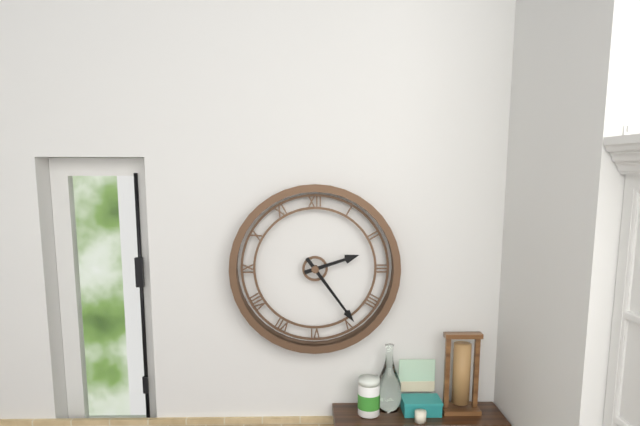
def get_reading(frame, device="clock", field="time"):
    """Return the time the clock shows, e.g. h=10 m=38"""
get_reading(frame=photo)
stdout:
h=2 m=24
